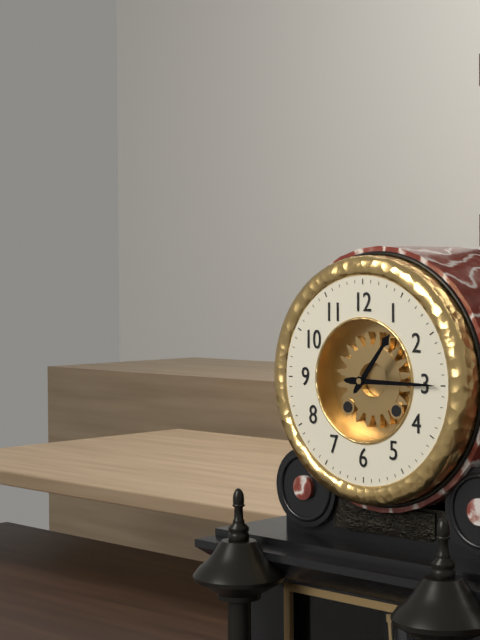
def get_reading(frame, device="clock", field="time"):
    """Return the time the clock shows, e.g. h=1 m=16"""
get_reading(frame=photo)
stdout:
h=1 m=15
